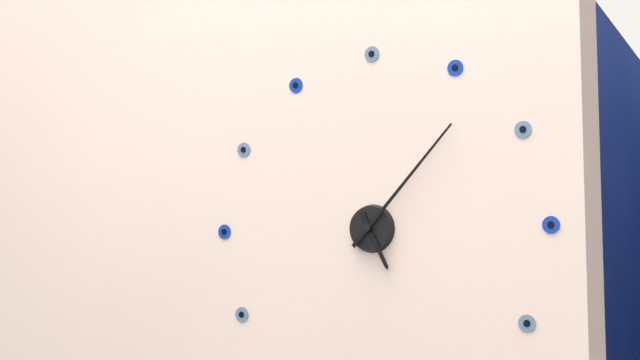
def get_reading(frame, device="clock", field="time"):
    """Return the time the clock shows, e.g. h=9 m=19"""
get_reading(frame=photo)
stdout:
h=5 m=7
